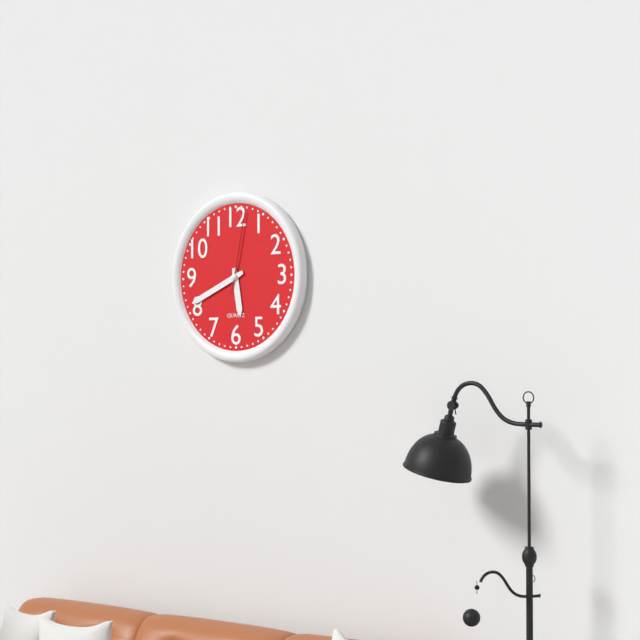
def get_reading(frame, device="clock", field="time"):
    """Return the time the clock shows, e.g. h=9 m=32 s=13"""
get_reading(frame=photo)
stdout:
h=5 m=41 s=2
